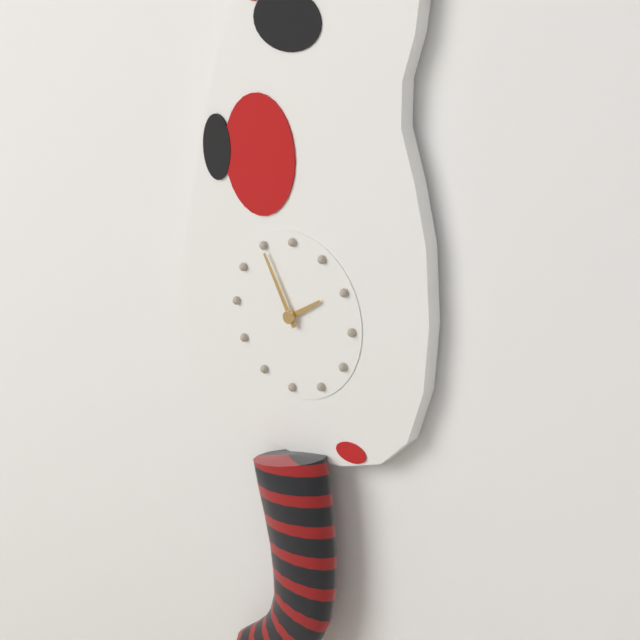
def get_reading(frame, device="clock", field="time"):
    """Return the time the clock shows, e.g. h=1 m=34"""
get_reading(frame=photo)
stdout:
h=1 m=55
